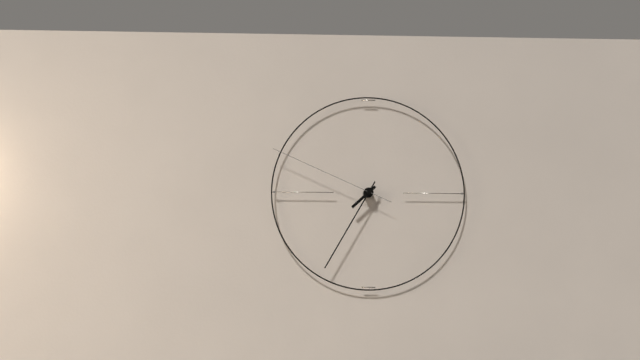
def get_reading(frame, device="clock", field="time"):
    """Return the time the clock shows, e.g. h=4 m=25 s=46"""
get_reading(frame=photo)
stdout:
h=7 m=35 s=49
